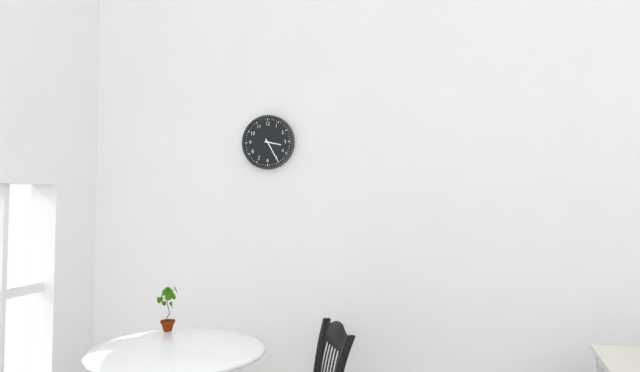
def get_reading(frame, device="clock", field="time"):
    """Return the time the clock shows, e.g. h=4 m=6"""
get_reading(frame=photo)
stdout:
h=3 m=25
